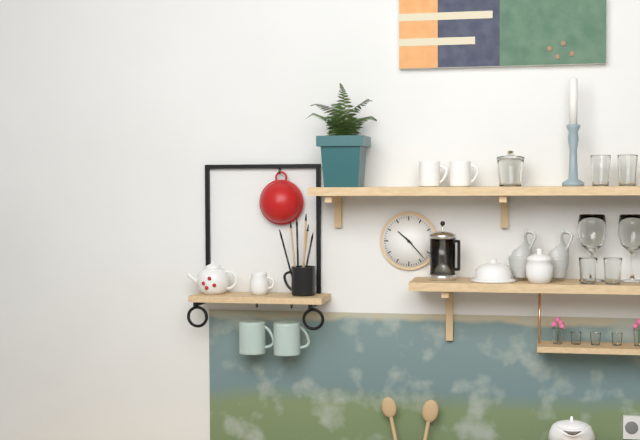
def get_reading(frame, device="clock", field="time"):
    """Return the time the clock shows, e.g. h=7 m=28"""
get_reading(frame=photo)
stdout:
h=10 m=23
